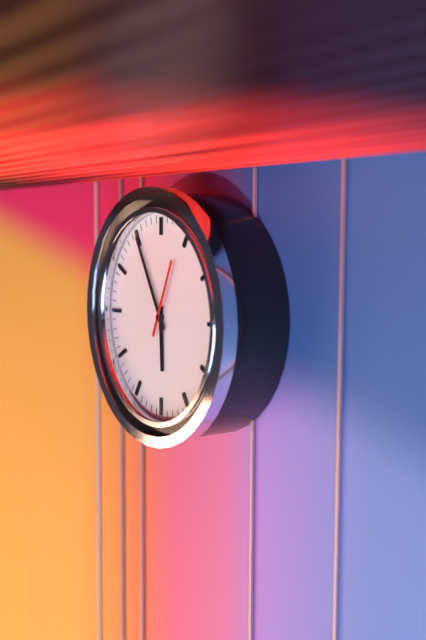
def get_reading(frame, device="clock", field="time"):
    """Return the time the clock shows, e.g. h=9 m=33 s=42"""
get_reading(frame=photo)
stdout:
h=5 m=55 s=4
